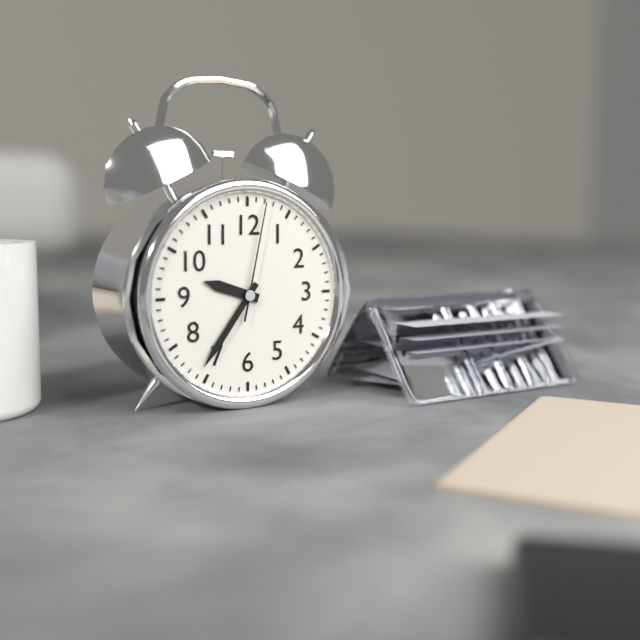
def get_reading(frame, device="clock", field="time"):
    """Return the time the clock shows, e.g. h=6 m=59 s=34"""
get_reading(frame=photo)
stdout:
h=9 m=36 s=2
